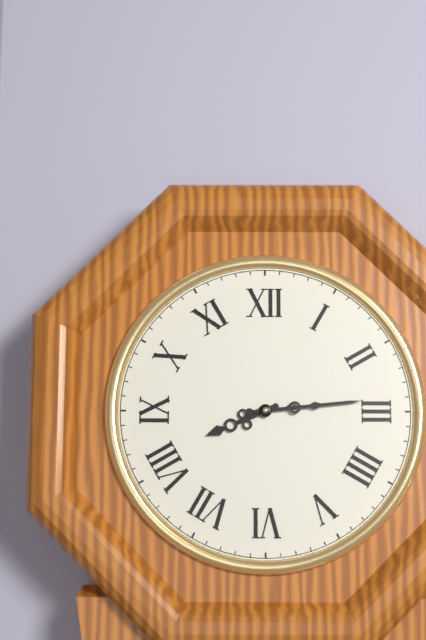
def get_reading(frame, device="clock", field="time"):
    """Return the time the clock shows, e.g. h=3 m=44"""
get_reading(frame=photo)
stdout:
h=8 m=14
